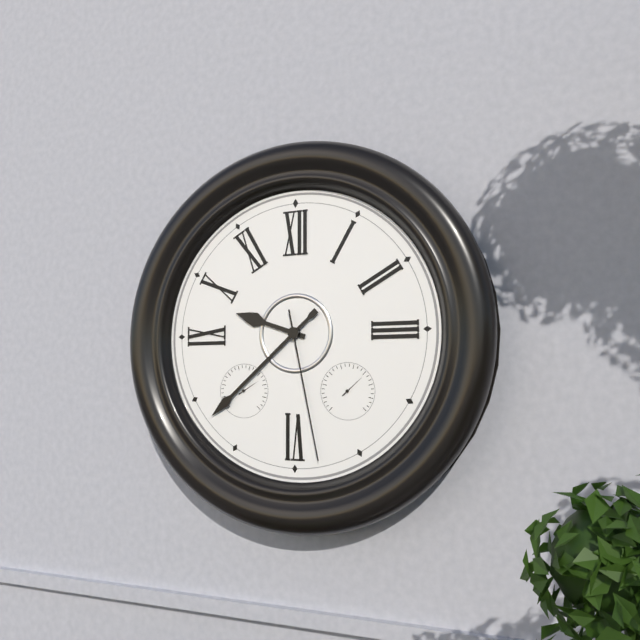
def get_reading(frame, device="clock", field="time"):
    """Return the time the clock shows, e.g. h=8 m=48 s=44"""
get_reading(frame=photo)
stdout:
h=9 m=38 s=28
